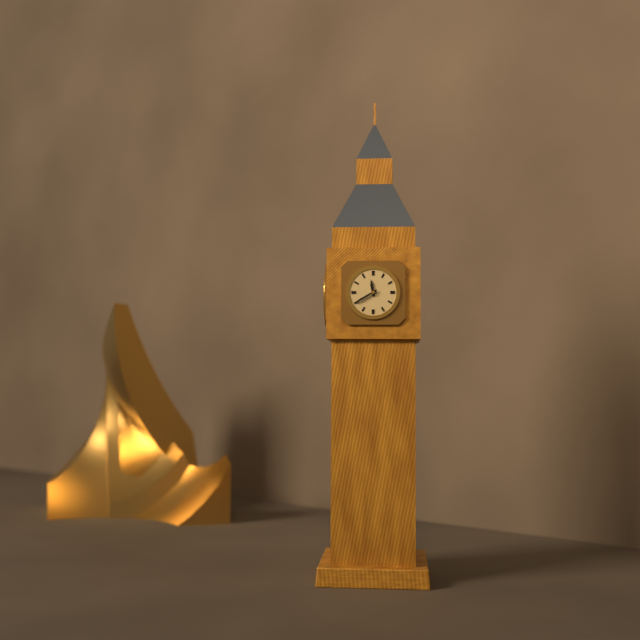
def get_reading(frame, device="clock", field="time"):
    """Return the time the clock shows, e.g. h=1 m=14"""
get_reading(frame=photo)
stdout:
h=11 m=40
